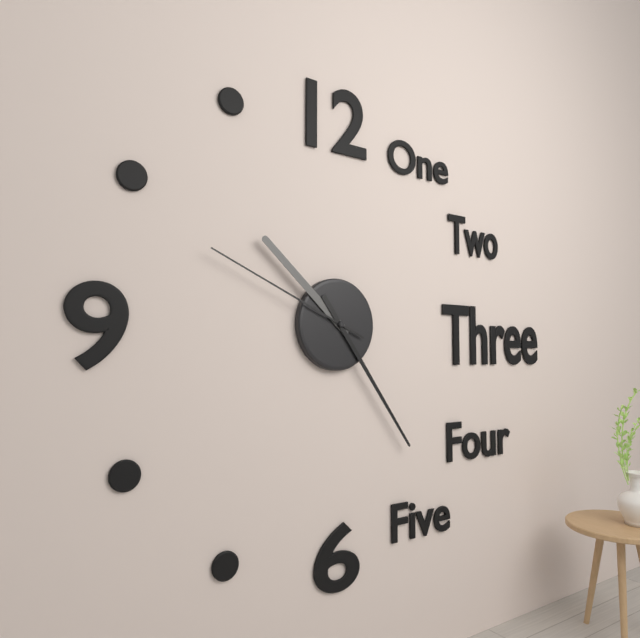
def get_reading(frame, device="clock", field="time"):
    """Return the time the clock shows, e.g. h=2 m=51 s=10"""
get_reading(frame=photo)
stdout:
h=10 m=24 s=49
